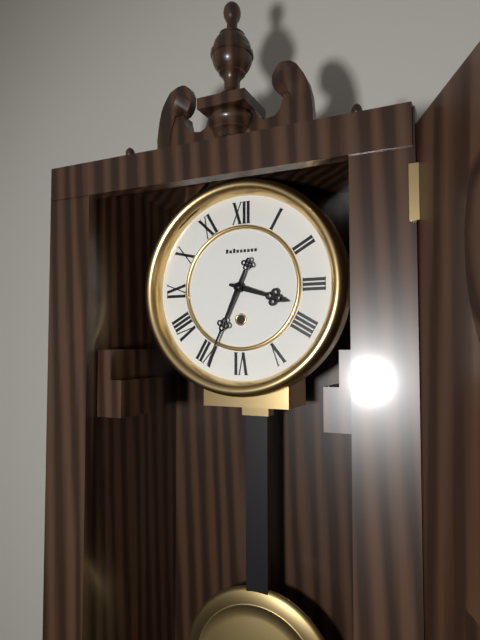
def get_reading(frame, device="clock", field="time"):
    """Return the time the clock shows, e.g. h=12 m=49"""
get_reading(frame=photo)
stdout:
h=3 m=34
